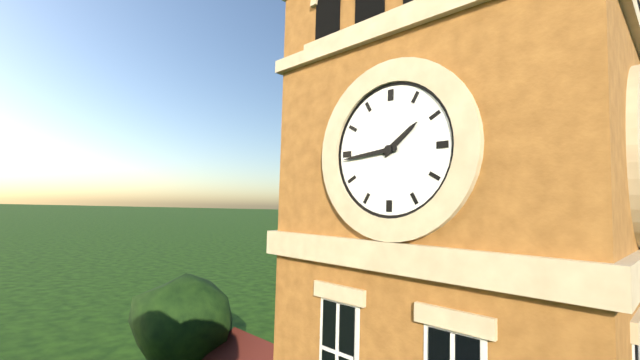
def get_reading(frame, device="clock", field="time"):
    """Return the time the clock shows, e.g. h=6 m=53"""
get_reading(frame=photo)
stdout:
h=1 m=44
